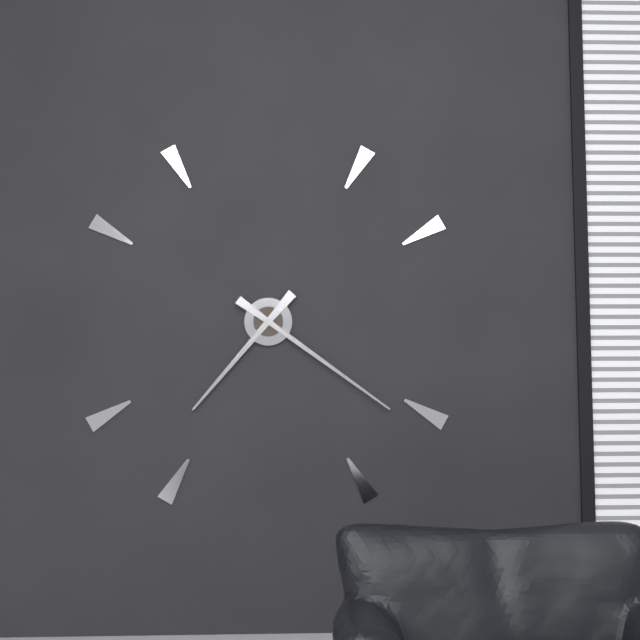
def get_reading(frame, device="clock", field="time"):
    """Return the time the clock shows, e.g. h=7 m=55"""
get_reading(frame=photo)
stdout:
h=7 m=21
